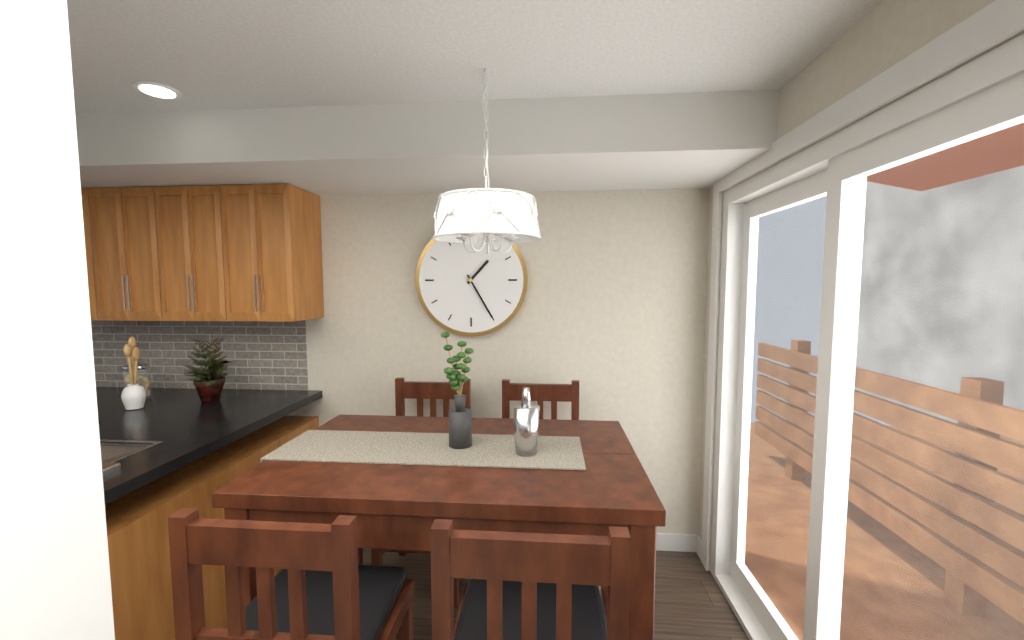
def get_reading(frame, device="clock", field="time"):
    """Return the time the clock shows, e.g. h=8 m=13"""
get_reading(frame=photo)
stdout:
h=1 m=25
